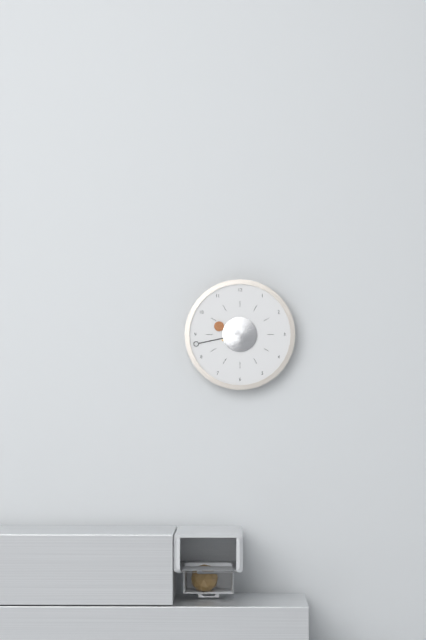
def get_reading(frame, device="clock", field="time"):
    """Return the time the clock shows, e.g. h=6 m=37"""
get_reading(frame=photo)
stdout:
h=9 m=43
